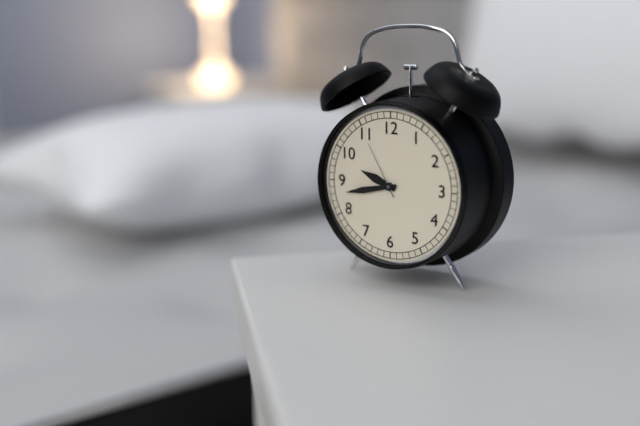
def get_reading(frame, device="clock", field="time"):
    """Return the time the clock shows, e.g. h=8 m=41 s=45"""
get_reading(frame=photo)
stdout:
h=9 m=43 s=55
